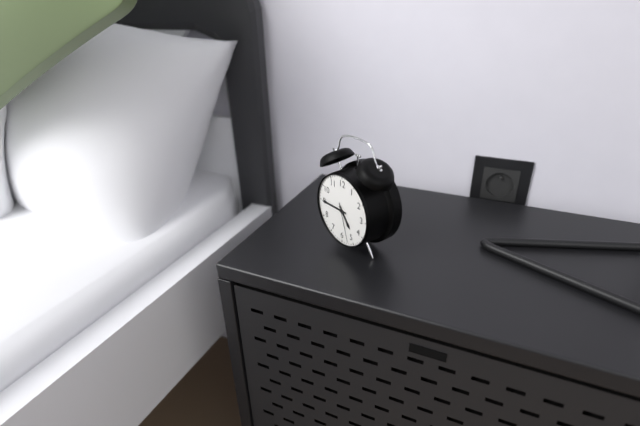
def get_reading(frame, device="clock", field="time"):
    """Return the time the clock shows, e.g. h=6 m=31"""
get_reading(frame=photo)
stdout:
h=4 m=45
